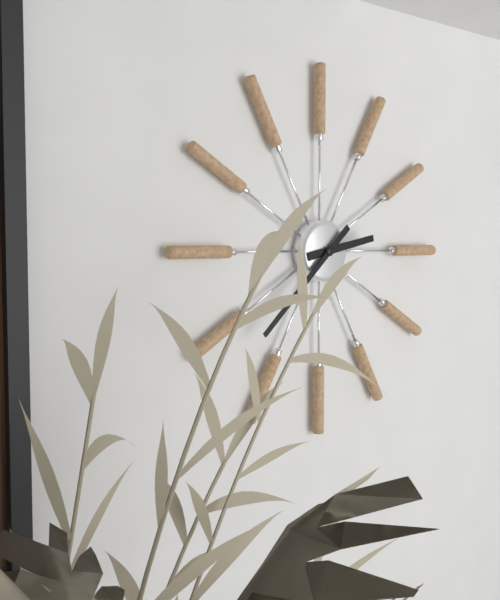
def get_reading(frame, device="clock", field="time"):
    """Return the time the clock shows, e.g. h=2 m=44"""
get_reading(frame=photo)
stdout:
h=2 m=38
